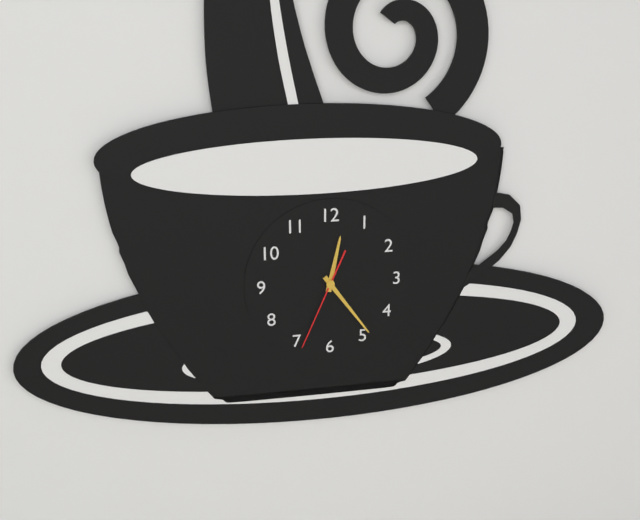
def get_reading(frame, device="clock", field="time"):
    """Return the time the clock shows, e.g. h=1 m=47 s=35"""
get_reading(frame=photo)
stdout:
h=12 m=24 s=34
